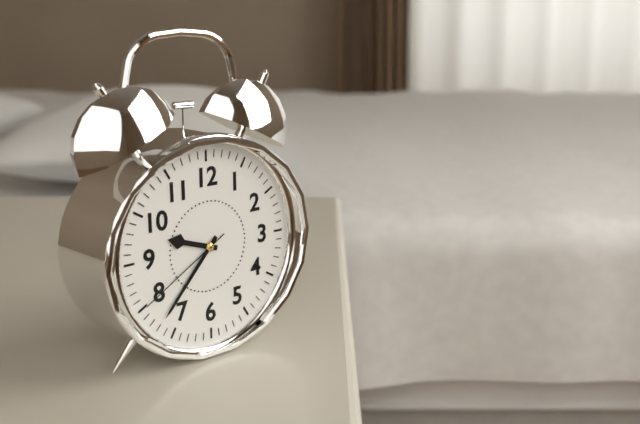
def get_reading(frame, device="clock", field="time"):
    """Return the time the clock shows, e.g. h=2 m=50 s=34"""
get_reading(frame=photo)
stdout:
h=9 m=37 s=40
